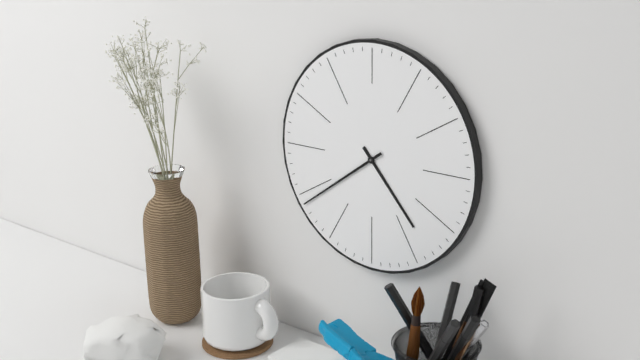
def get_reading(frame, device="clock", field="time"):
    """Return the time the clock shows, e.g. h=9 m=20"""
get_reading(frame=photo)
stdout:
h=4 m=39
